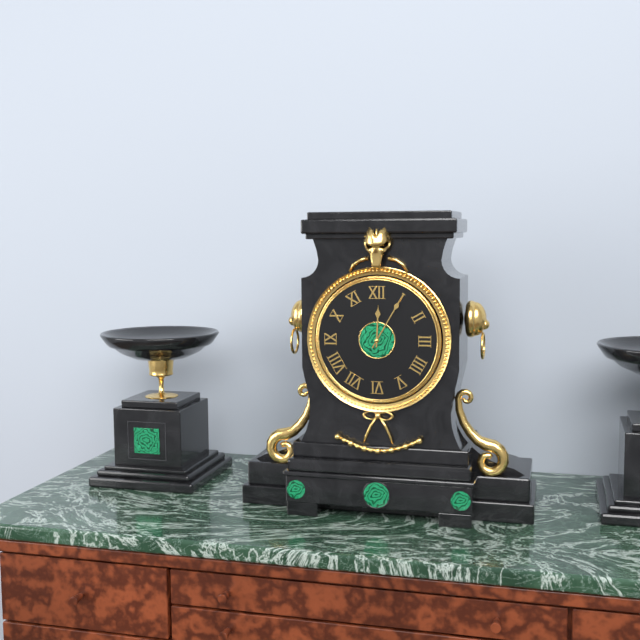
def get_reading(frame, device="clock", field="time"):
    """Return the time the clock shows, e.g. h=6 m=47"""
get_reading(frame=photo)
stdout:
h=12 m=5
